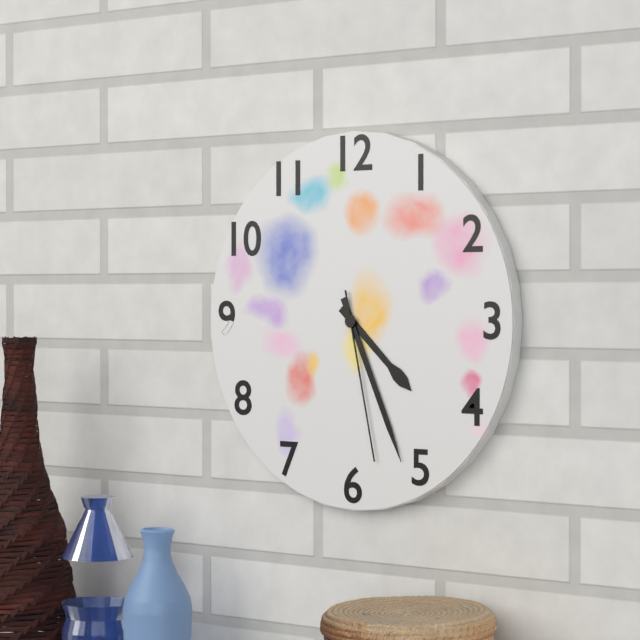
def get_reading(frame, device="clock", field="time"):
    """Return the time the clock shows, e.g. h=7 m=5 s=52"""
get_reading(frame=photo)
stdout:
h=4 m=26 s=28
